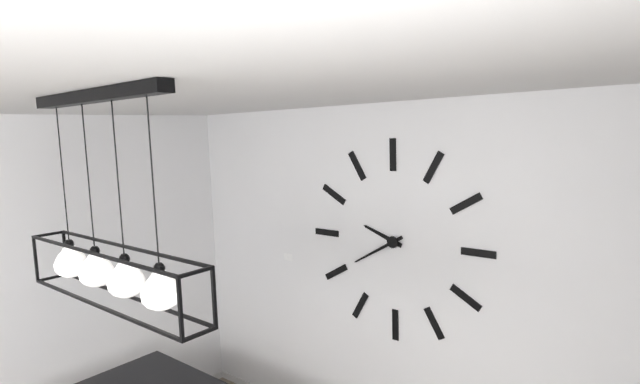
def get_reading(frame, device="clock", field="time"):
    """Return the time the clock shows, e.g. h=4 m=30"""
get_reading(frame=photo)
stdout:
h=9 m=40
